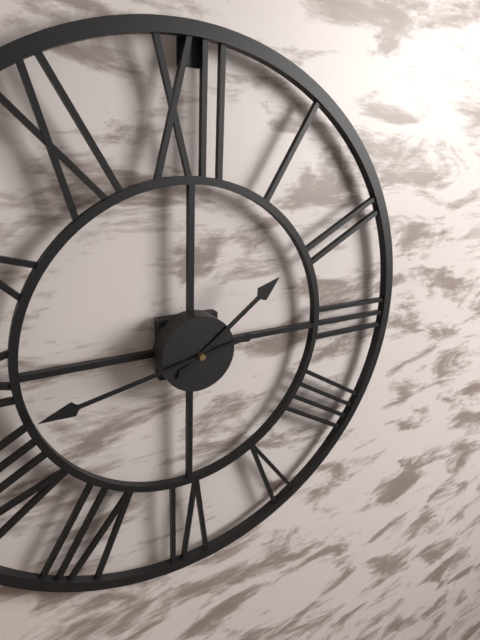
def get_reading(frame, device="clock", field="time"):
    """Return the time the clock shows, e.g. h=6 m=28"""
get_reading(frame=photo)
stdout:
h=1 m=43
